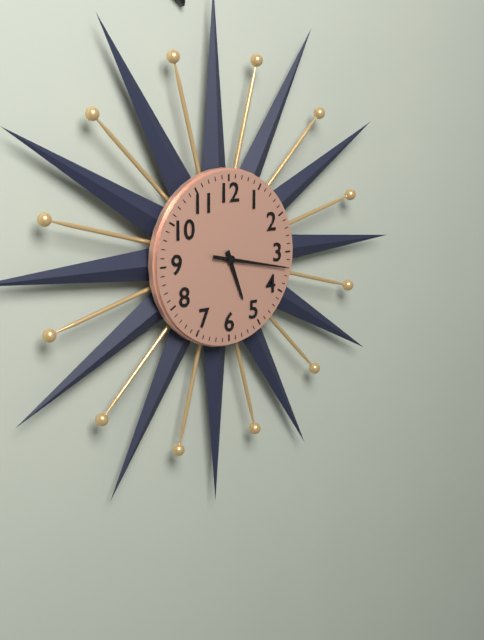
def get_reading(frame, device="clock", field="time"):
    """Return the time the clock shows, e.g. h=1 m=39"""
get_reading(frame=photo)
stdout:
h=5 m=17
